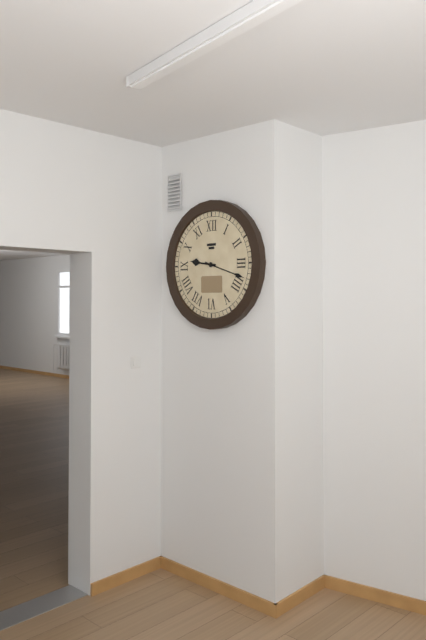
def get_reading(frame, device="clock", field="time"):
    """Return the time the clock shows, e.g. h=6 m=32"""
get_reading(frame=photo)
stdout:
h=9 m=18
